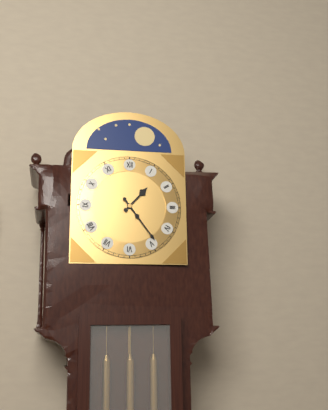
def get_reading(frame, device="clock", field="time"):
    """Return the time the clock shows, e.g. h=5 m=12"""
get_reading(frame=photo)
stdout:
h=1 m=24
